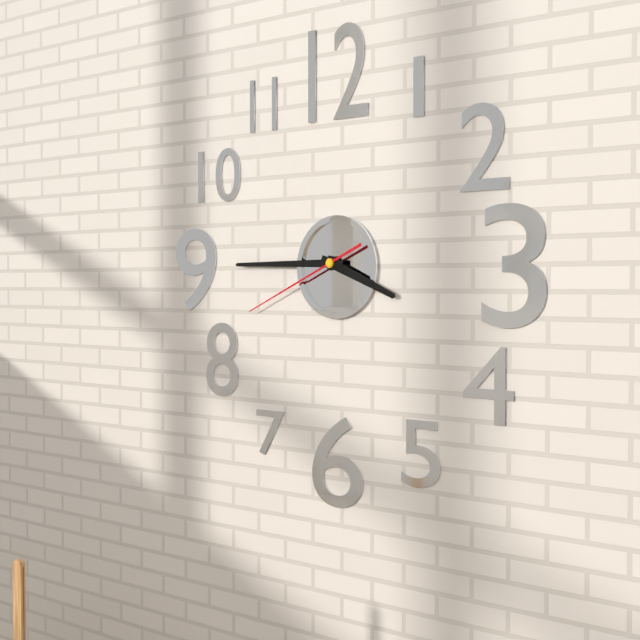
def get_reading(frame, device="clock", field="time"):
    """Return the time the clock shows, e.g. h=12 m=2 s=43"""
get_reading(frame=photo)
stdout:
h=3 m=45 s=41
